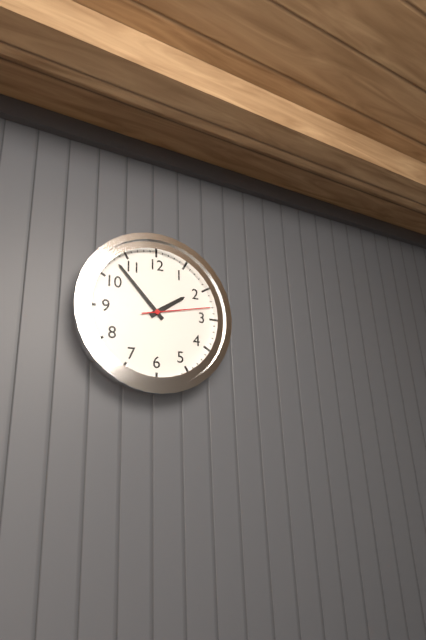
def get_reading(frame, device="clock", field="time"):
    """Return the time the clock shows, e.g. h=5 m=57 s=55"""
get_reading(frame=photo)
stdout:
h=1 m=53 s=13
